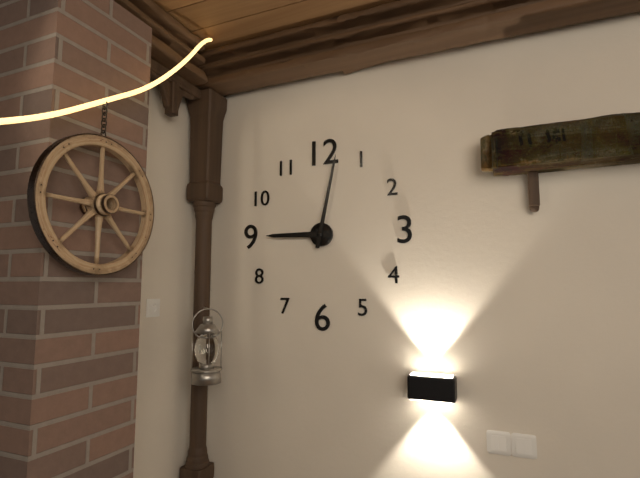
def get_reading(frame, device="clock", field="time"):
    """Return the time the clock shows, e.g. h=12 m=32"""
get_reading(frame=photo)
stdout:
h=9 m=2
